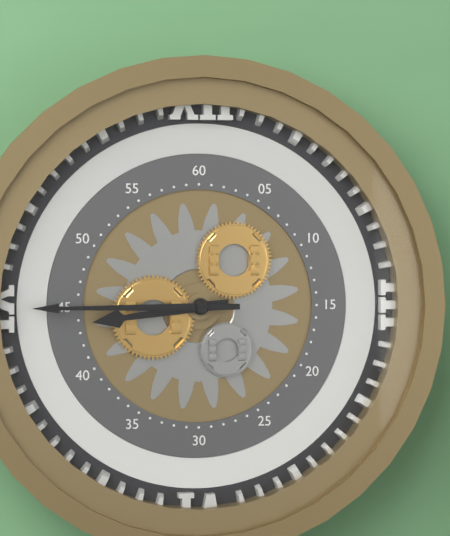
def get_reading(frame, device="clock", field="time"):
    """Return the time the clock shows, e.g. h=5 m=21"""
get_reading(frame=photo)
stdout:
h=8 m=45
